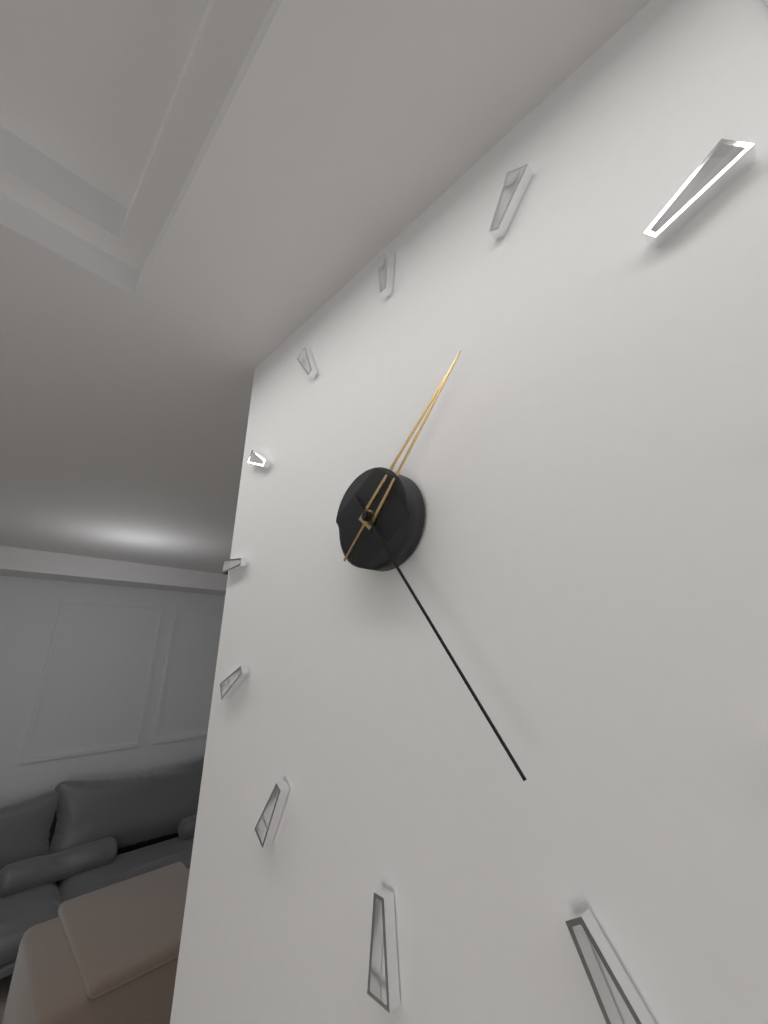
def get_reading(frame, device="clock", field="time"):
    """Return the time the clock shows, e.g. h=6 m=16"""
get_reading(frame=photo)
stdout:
h=1 m=24
